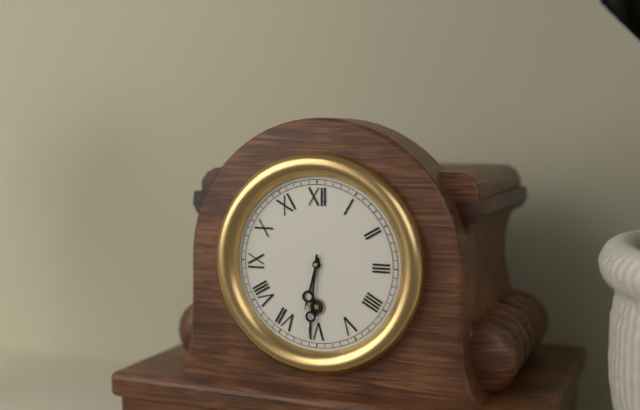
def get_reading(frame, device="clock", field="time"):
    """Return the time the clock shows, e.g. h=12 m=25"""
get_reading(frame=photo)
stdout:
h=6 m=31
